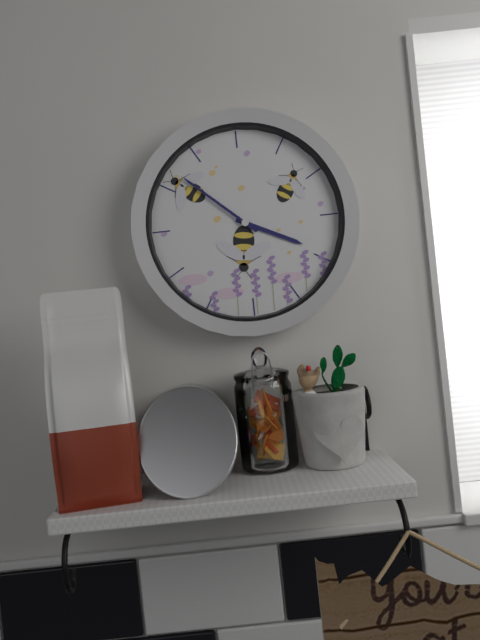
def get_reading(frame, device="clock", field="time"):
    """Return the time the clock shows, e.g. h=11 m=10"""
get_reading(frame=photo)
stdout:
h=3 m=52
